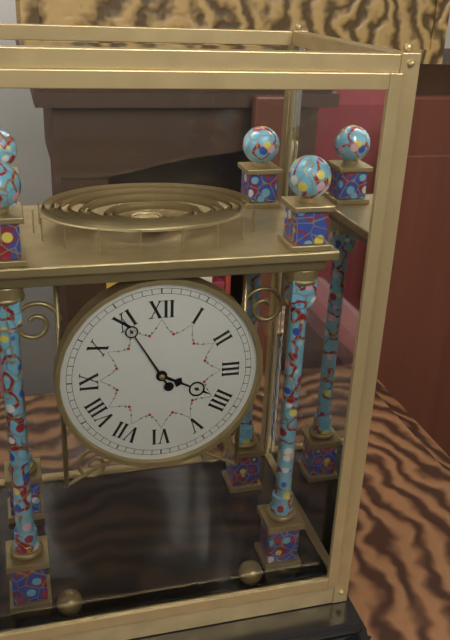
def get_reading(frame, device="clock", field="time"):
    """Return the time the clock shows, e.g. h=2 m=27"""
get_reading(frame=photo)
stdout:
h=3 m=55
